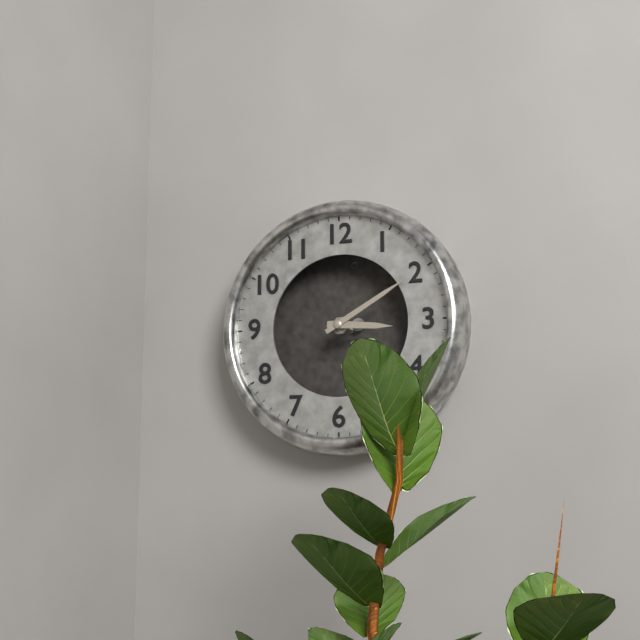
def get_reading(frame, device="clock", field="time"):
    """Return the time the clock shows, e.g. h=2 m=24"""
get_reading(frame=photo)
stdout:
h=3 m=10
